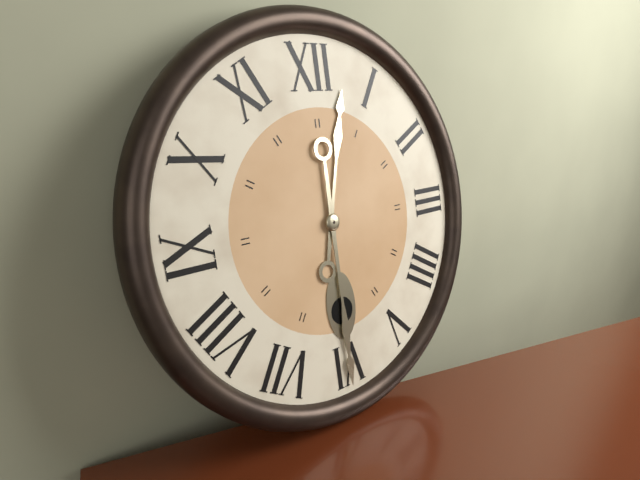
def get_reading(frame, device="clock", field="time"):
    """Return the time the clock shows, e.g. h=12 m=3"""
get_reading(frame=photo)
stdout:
h=12 m=30
